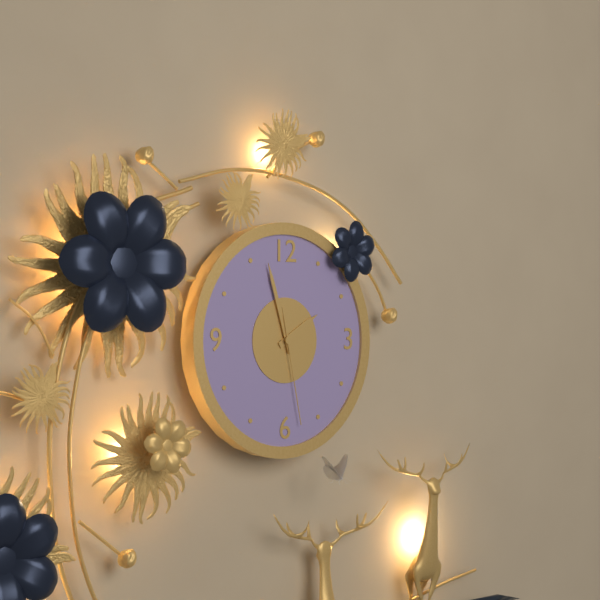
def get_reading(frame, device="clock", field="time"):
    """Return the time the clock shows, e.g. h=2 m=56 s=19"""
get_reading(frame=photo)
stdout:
h=1 m=57 s=28
